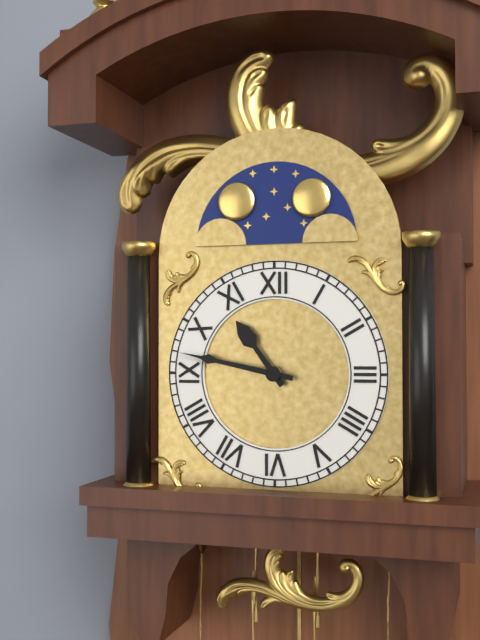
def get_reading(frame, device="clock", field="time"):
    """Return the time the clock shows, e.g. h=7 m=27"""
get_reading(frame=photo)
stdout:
h=10 m=47
